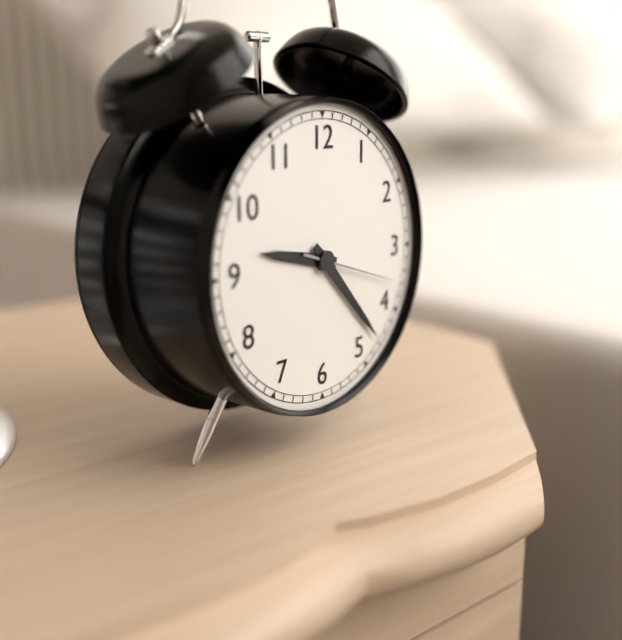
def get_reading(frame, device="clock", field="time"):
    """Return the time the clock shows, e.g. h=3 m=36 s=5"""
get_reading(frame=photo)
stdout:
h=9 m=23 s=18
